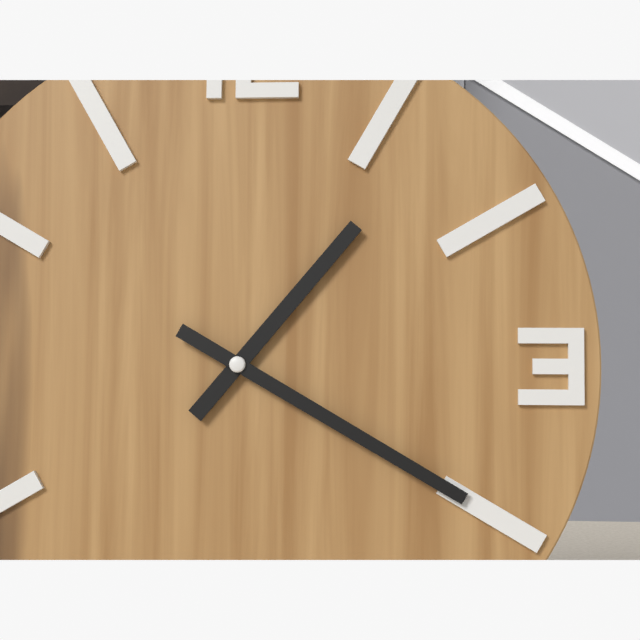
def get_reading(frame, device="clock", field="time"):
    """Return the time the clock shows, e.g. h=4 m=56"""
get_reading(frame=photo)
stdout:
h=1 m=20
